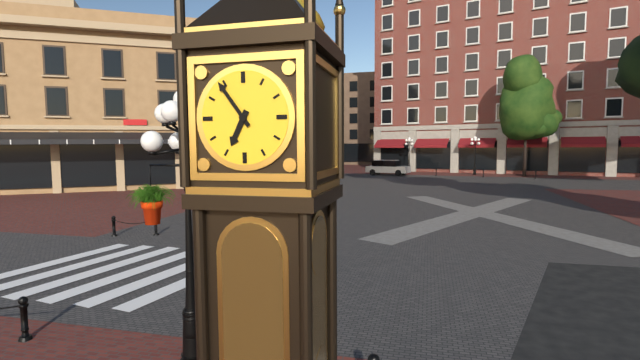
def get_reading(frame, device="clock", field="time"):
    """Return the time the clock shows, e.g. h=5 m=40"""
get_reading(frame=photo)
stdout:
h=6 m=54
